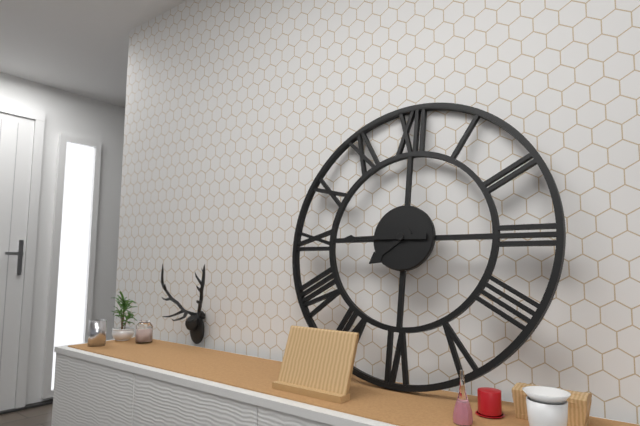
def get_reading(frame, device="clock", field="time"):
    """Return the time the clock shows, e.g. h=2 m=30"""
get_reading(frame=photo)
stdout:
h=7 m=45
